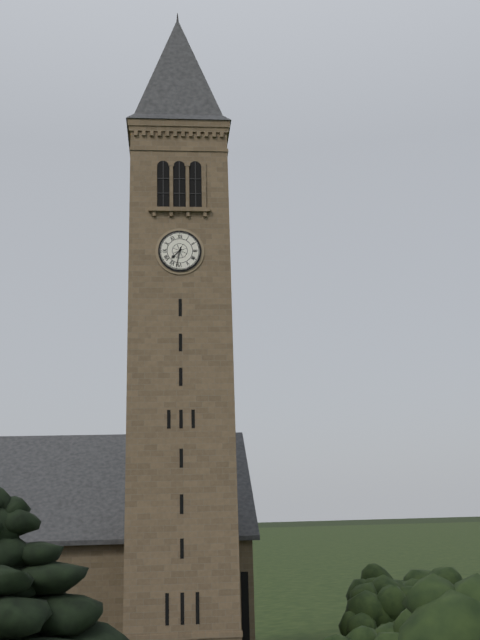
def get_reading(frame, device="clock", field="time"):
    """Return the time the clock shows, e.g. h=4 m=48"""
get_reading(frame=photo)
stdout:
h=7 m=32
